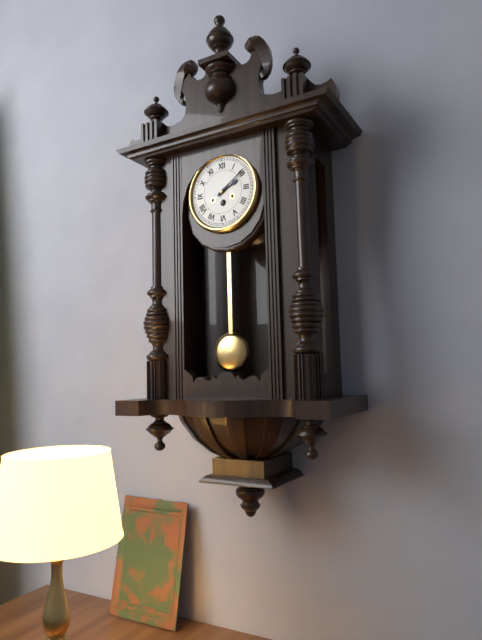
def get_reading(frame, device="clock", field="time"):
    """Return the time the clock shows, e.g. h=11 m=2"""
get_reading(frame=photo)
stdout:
h=2 m=9
